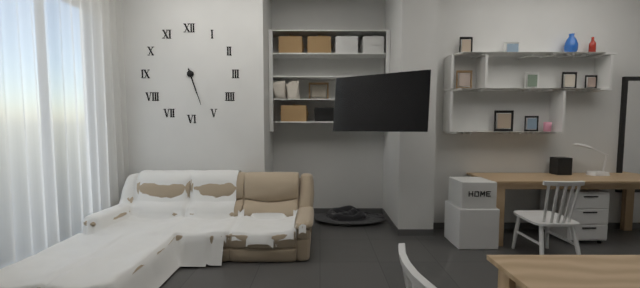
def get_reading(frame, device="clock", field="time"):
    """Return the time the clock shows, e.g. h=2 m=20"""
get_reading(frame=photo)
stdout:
h=5 m=27
